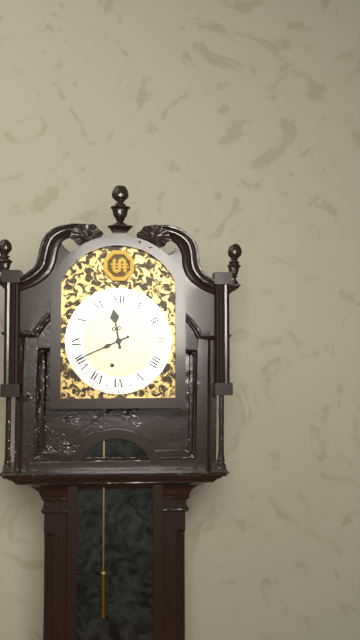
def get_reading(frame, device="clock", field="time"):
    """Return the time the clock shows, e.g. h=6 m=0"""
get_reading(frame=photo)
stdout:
h=11 m=41
